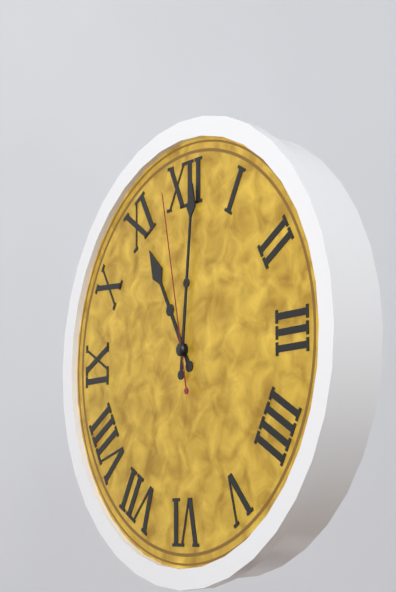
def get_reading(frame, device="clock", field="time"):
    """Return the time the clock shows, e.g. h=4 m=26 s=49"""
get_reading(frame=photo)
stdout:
h=11 m=1 s=58
